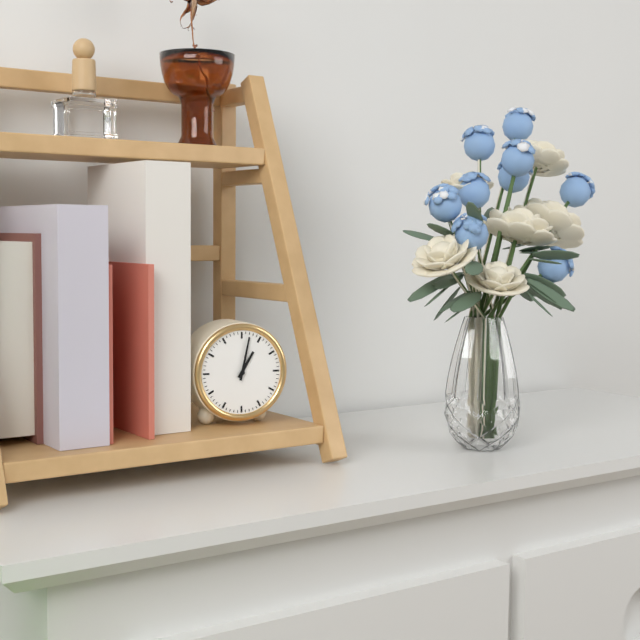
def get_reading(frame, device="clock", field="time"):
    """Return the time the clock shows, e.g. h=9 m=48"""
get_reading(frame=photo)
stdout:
h=1 m=2
